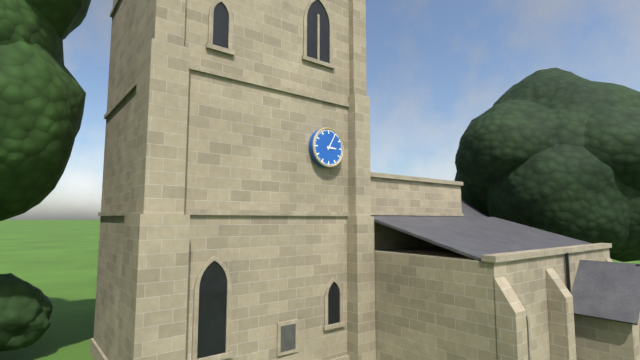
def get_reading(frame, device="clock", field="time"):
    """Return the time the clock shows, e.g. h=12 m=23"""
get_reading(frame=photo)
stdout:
h=3 m=5
